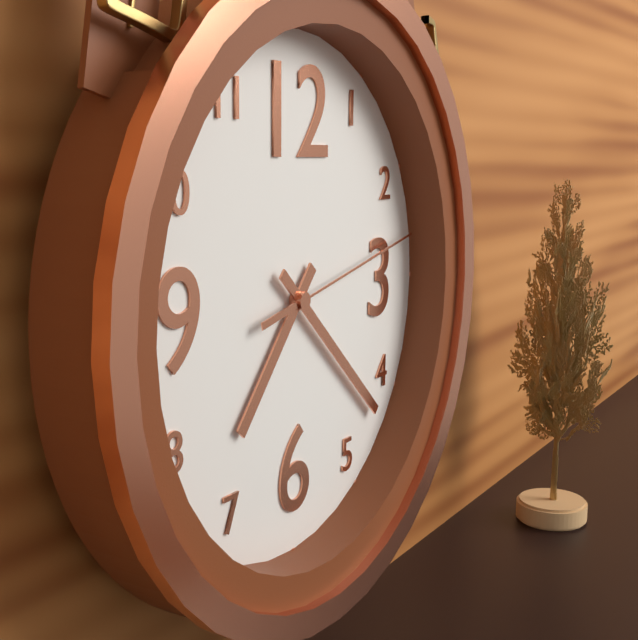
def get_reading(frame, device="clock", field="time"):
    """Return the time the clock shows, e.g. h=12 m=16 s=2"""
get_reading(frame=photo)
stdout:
h=7 m=22 s=13
